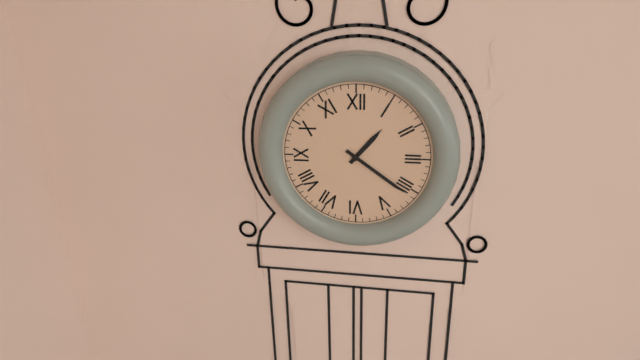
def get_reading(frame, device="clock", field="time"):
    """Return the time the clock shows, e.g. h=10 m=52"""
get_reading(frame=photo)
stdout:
h=1 m=21
